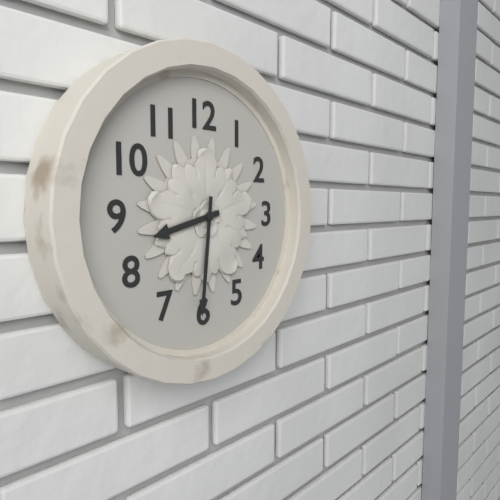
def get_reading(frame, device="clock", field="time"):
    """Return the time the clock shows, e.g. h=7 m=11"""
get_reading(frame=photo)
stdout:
h=8 m=31
